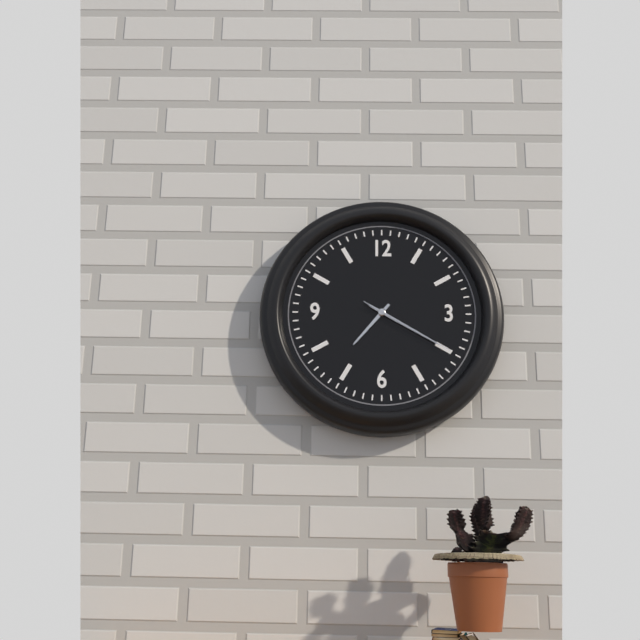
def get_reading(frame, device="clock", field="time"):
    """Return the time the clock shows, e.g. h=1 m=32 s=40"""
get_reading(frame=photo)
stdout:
h=7 m=20 s=20
